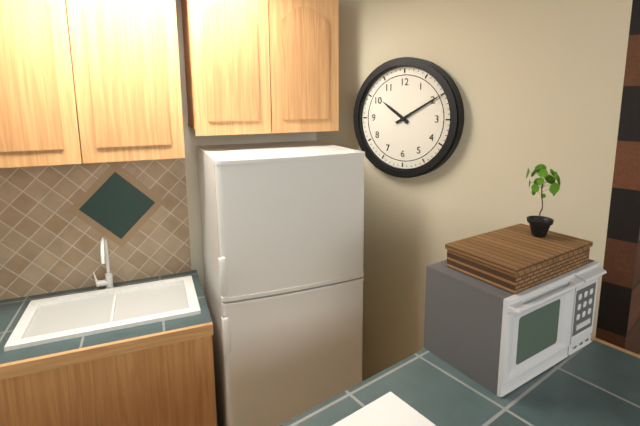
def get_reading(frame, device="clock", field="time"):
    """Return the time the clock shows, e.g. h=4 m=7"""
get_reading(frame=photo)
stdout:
h=10 m=10
